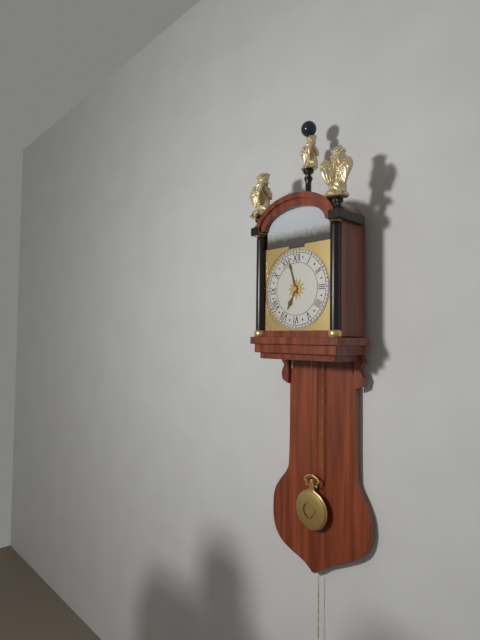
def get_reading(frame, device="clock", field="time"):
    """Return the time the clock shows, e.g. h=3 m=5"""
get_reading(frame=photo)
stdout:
h=6 m=57
